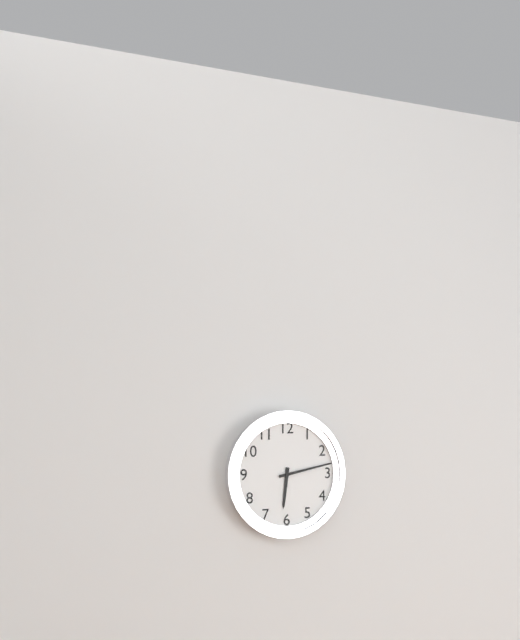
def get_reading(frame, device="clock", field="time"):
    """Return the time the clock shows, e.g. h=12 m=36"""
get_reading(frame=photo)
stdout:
h=6 m=13
